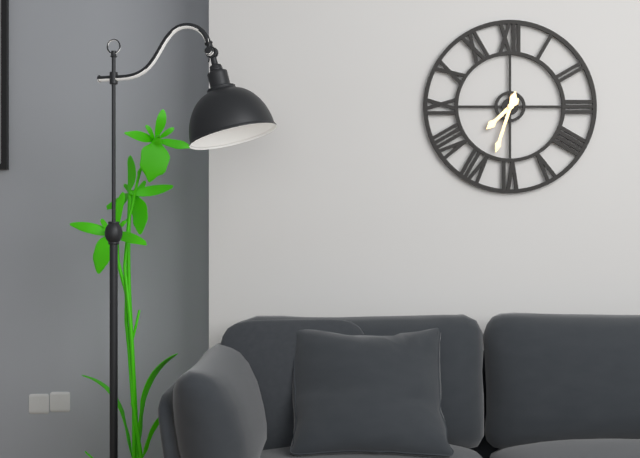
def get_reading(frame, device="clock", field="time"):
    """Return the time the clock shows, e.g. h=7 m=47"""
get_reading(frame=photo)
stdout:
h=7 m=33
